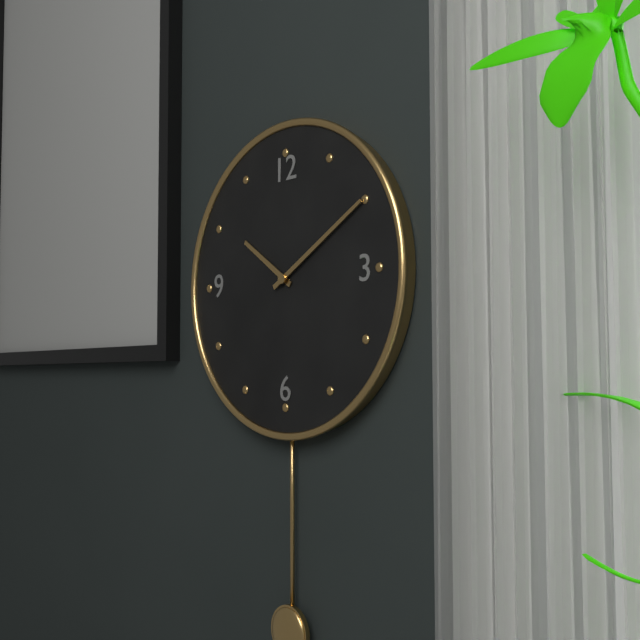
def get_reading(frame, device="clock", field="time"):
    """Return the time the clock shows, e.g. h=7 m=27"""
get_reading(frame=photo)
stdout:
h=10 m=10
